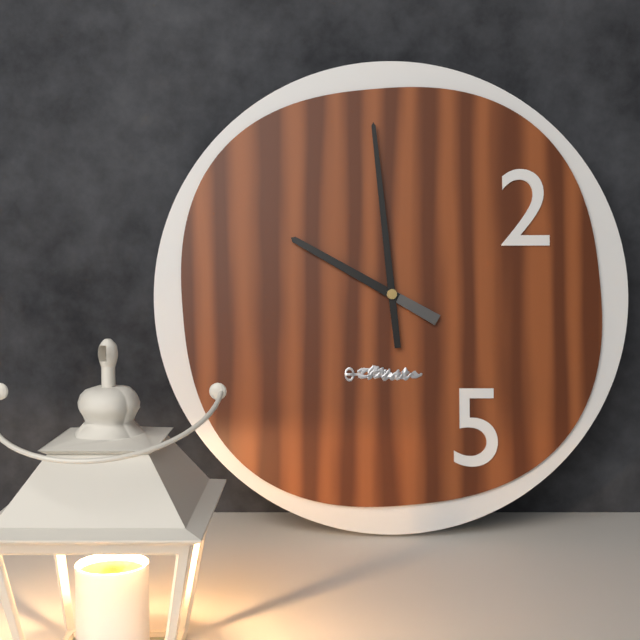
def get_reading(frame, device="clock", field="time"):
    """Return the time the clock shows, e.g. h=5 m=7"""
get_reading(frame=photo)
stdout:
h=9 m=59
